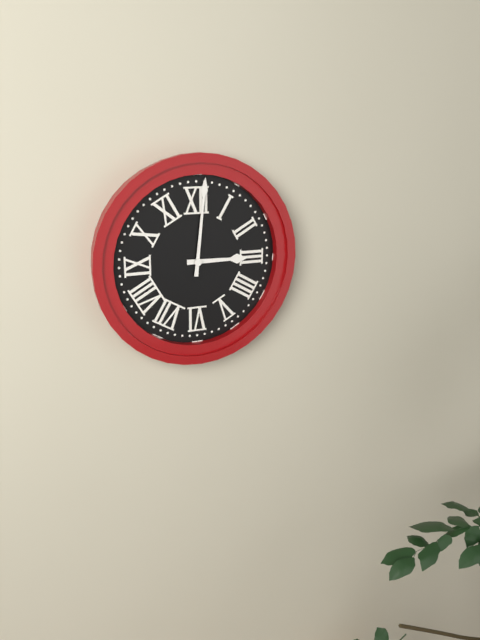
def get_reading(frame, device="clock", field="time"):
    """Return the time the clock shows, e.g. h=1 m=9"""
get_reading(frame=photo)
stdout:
h=3 m=1
